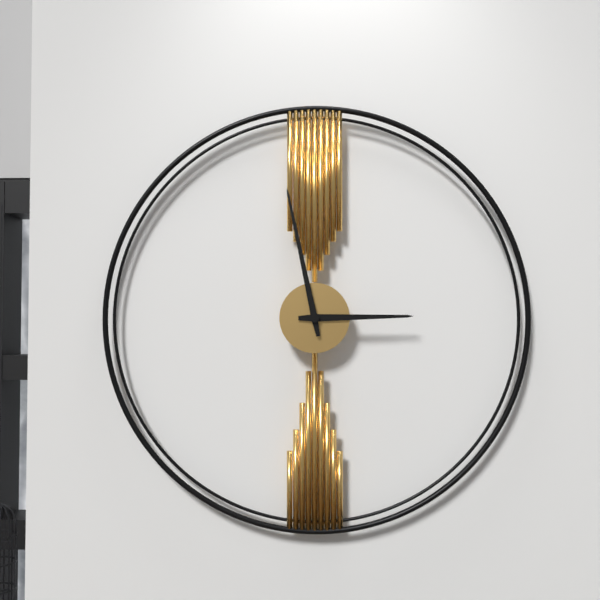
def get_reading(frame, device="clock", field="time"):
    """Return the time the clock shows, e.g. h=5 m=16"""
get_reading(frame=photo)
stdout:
h=2 m=58
